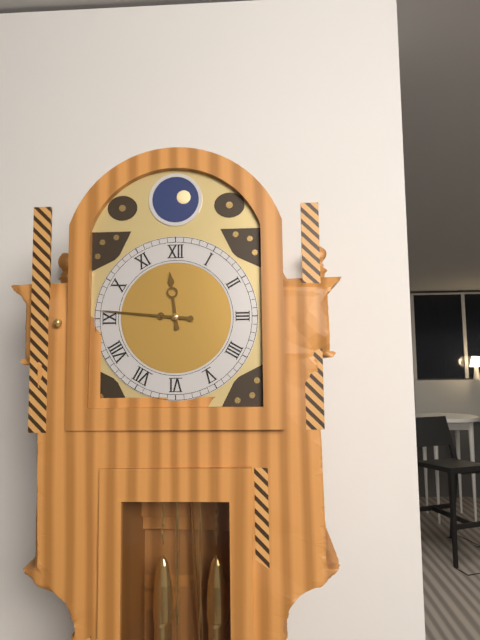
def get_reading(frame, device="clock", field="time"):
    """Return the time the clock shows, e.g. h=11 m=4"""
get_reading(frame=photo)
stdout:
h=11 m=46
